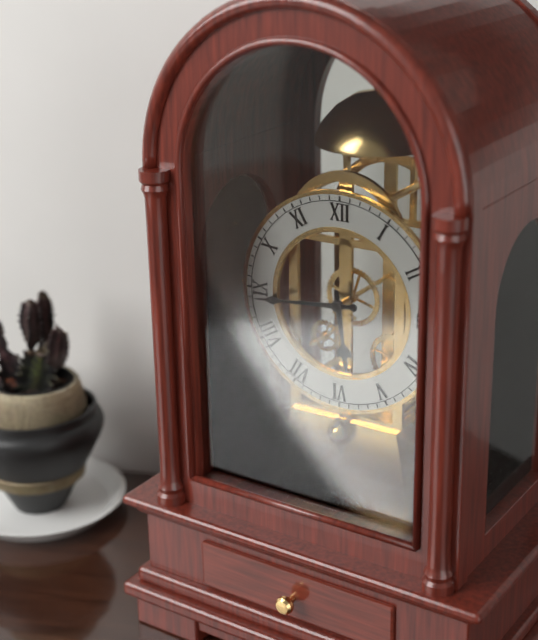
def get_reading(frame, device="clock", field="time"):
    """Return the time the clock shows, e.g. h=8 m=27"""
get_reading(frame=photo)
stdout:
h=5 m=44
